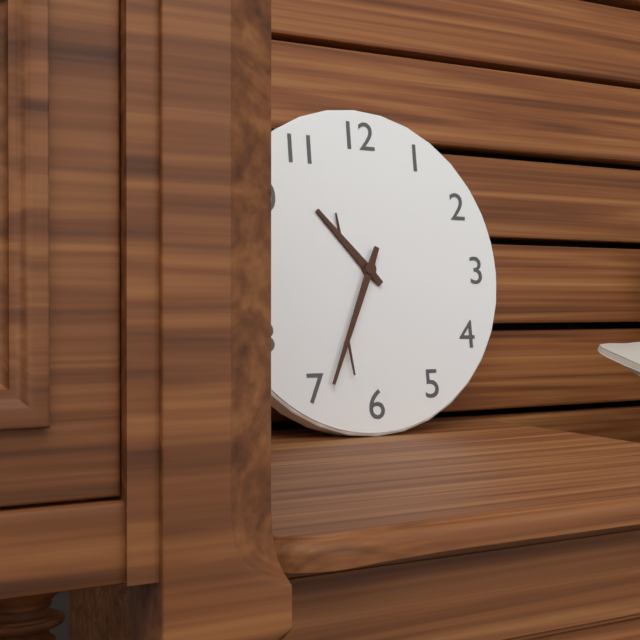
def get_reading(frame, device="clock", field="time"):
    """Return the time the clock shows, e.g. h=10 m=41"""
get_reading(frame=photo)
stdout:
h=10 m=34
